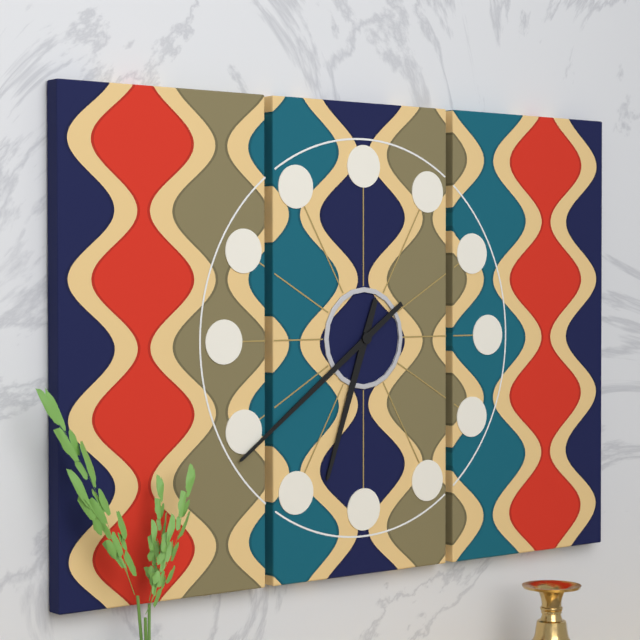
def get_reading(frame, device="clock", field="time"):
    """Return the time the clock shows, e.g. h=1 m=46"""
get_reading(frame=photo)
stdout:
h=6 m=39
